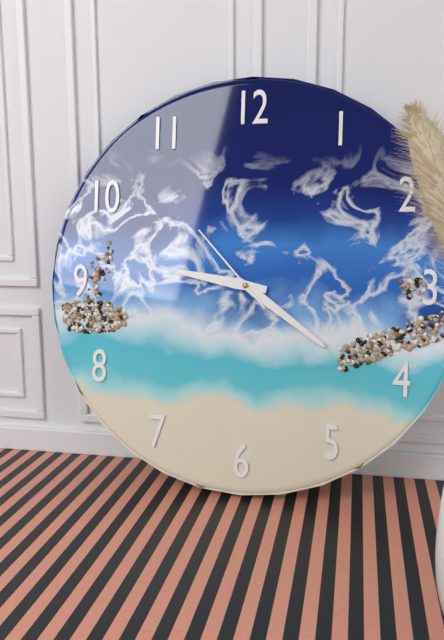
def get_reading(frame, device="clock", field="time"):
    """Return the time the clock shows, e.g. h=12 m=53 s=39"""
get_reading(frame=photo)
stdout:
h=9 m=21 s=53
